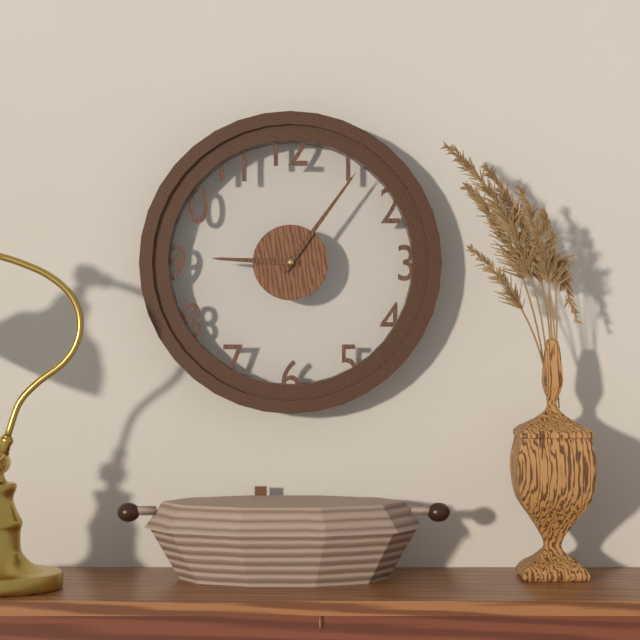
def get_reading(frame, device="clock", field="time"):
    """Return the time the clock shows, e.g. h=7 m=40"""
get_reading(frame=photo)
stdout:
h=9 m=6
